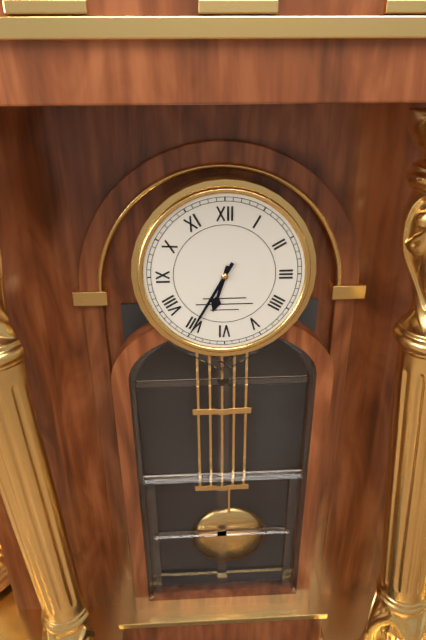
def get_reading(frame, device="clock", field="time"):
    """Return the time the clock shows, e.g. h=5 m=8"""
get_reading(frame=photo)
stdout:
h=6 m=35
